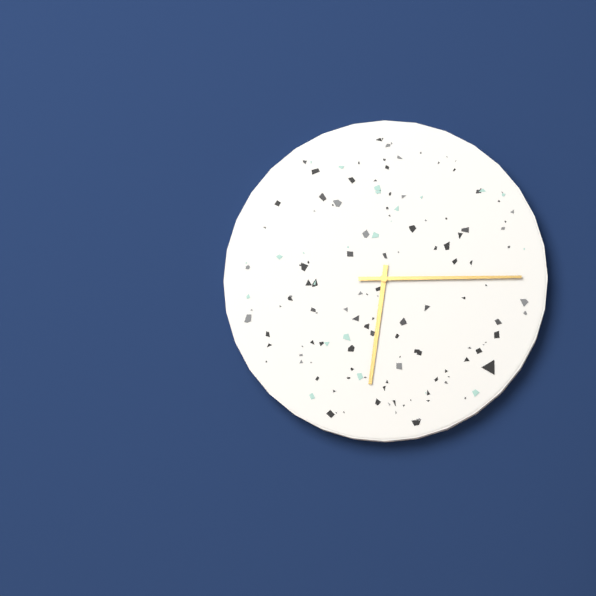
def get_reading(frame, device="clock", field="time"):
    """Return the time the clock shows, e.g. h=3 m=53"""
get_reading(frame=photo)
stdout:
h=6 m=15
